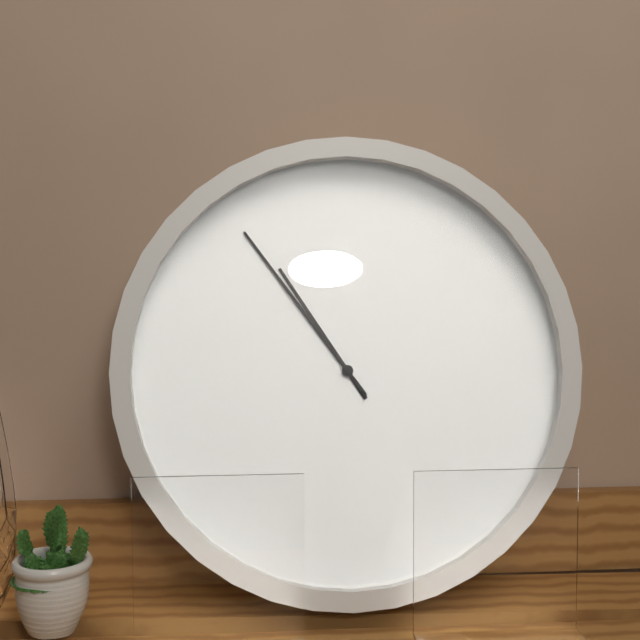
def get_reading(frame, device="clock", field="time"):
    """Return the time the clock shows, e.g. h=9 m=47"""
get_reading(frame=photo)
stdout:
h=10 m=54
